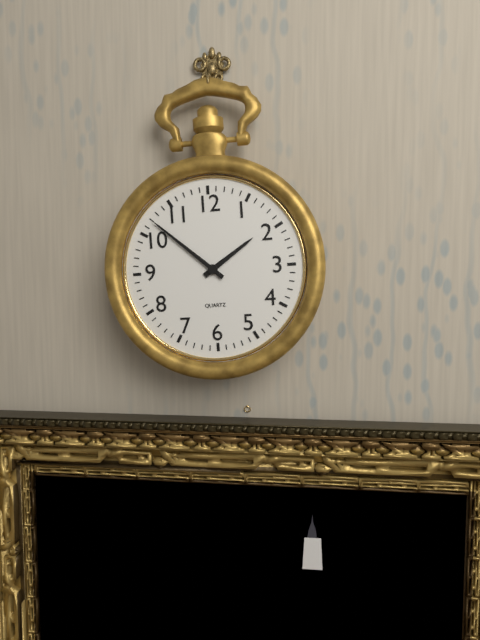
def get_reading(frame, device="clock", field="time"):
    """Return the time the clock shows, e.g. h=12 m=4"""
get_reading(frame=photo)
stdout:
h=1 m=52
